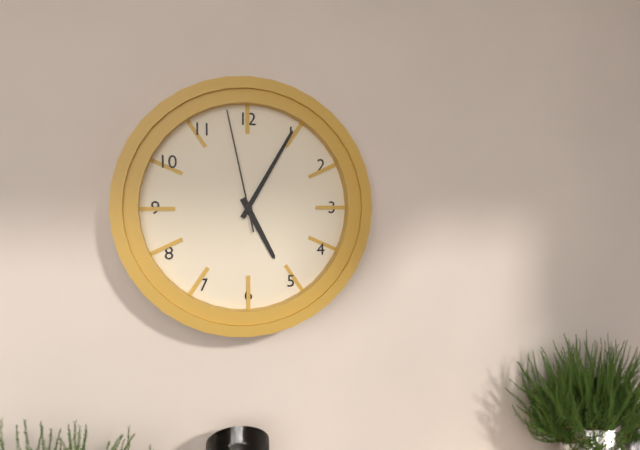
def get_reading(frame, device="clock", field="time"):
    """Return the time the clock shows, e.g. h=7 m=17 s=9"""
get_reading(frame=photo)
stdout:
h=5 m=5 s=58
